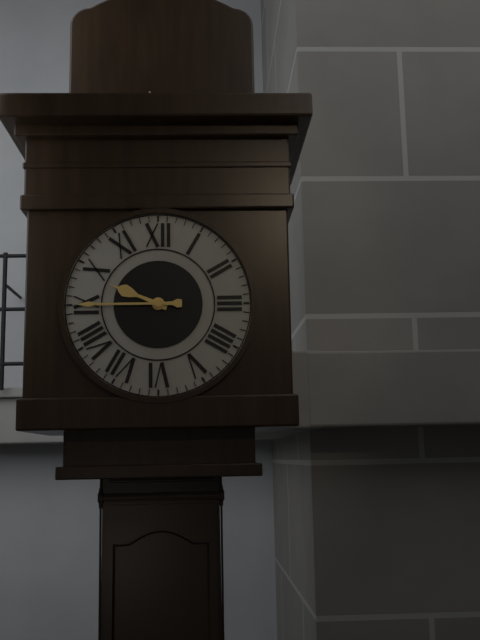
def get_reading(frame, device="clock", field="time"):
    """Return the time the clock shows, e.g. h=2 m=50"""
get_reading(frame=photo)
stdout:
h=9 m=45
